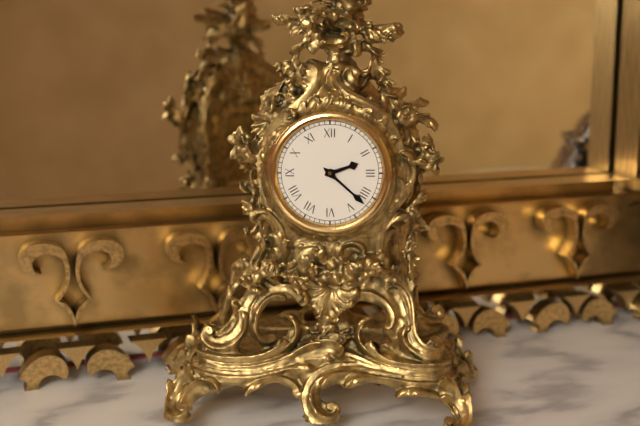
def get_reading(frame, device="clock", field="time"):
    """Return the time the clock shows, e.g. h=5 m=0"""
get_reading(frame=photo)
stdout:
h=2 m=22
